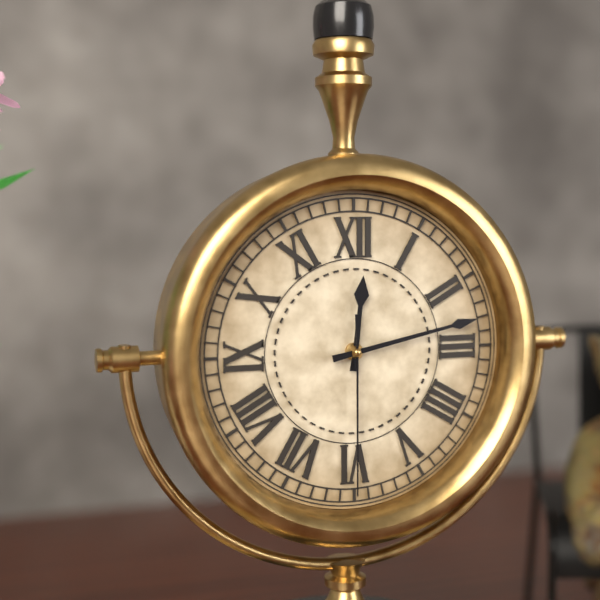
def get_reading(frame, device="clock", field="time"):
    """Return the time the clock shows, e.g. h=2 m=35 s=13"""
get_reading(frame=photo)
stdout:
h=12 m=13 s=30
